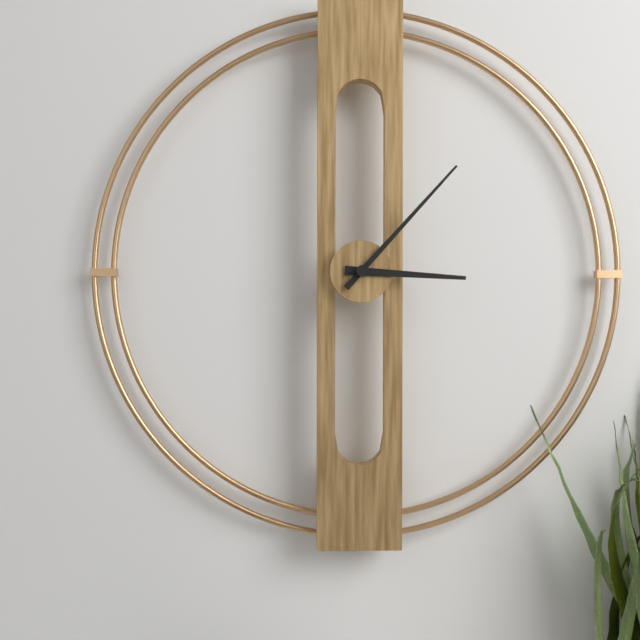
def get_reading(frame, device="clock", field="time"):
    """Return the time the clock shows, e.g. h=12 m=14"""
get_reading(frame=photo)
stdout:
h=3 m=7
